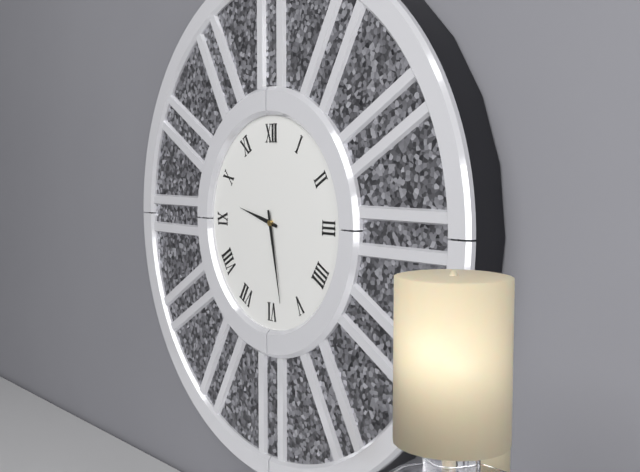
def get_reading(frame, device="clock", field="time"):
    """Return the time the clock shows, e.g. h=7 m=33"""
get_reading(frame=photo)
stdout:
h=9 m=28
